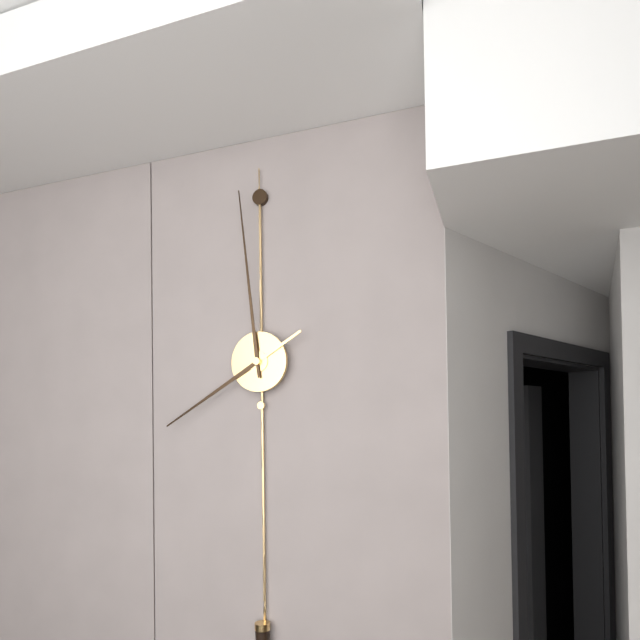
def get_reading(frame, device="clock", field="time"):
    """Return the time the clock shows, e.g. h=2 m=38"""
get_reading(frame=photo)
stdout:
h=7 m=59
